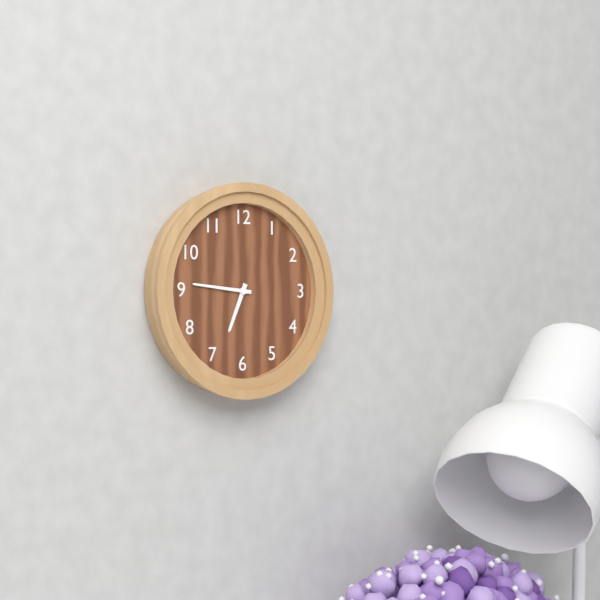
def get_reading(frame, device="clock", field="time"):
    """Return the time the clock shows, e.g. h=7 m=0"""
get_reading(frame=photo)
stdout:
h=6 m=46
